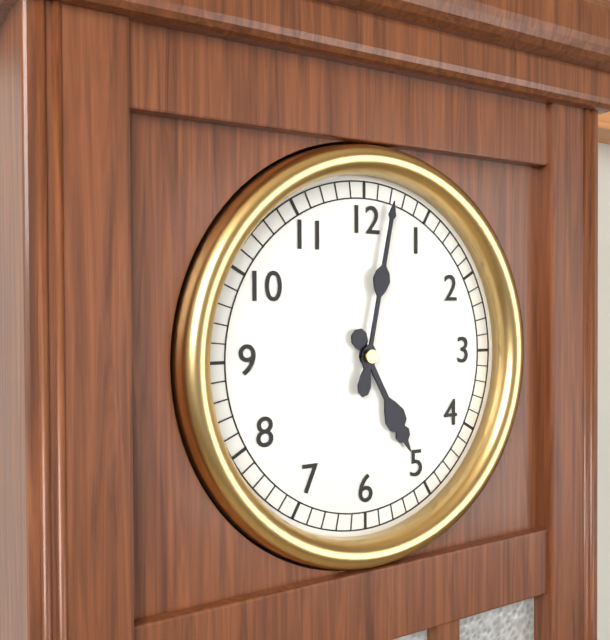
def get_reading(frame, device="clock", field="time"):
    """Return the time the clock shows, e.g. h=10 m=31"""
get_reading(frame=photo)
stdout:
h=5 m=2
